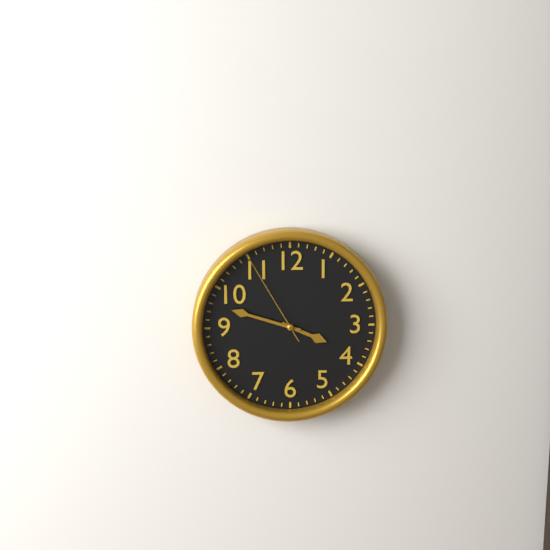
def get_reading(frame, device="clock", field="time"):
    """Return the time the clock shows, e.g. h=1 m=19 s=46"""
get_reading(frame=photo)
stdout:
h=3 m=48 s=55
